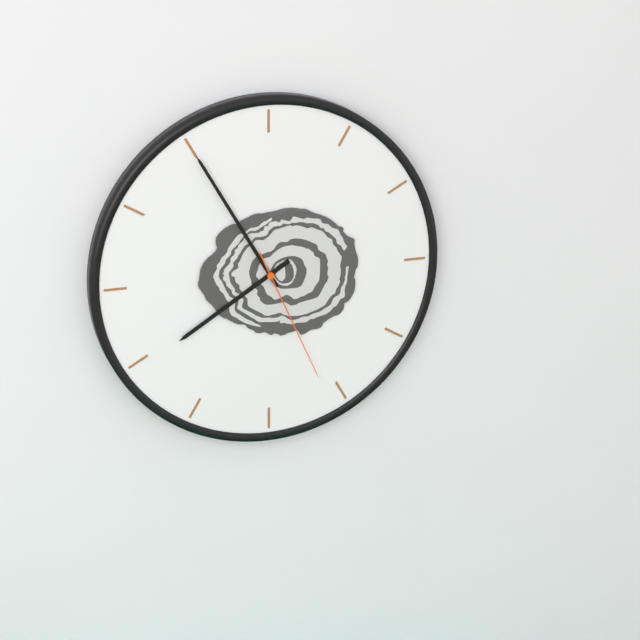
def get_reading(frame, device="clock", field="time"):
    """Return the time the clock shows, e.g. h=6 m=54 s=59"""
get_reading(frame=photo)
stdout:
h=7 m=55 s=26
